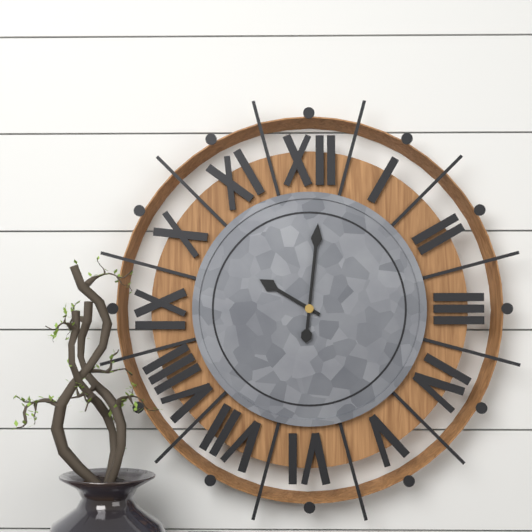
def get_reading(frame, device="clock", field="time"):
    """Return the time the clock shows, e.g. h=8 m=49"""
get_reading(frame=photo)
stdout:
h=10 m=1
